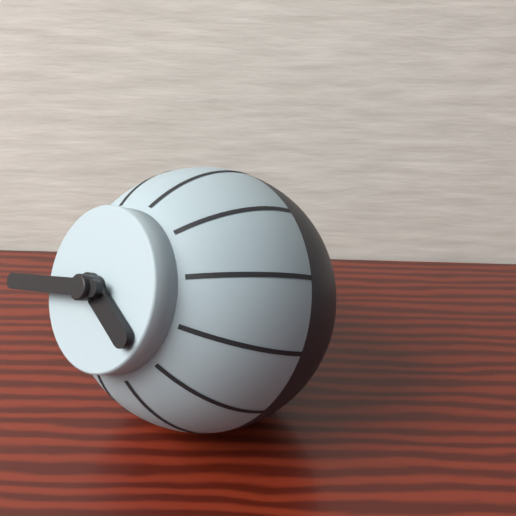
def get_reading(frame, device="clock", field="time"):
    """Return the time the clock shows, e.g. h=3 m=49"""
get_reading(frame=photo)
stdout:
h=3 m=42
